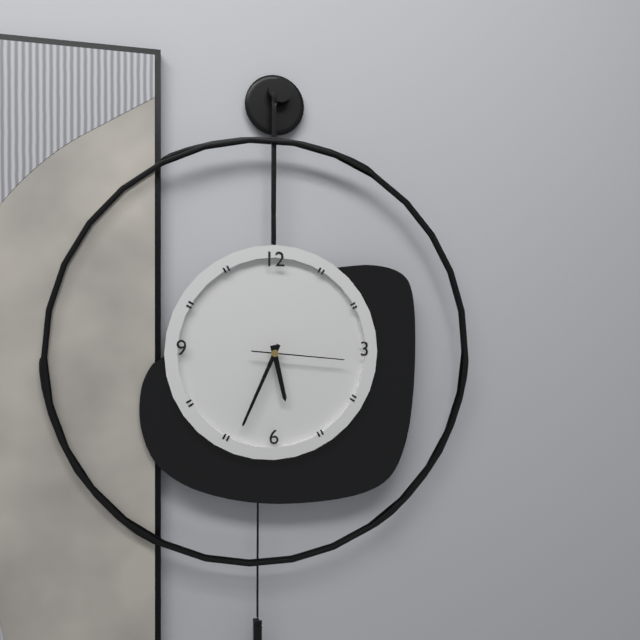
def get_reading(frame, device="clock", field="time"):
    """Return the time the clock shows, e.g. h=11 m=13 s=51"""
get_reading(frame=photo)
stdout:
h=5 m=34 s=16
